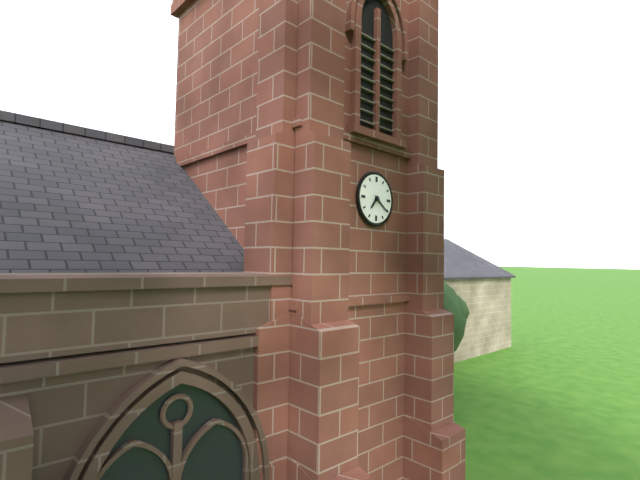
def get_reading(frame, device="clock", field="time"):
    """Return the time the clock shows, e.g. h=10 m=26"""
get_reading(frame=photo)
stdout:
h=7 m=21
